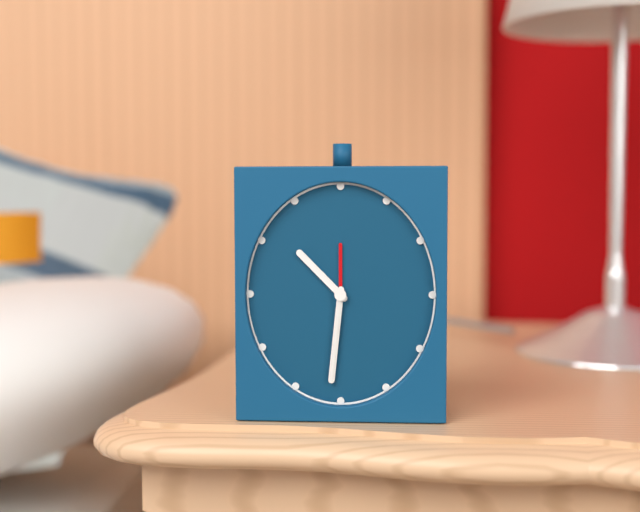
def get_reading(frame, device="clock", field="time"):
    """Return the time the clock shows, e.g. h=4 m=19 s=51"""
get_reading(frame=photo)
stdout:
h=10 m=31 s=31
